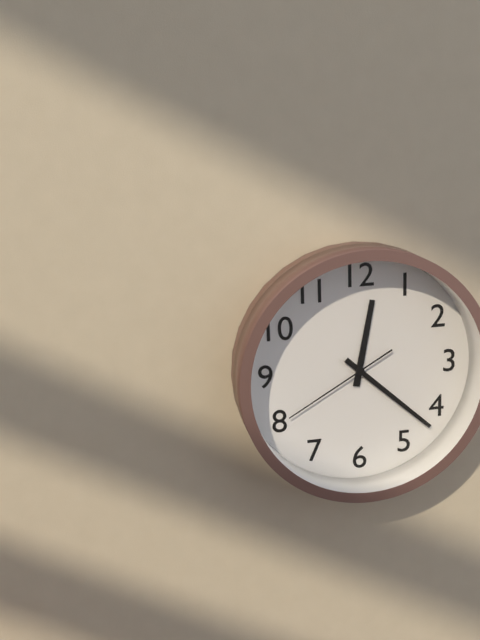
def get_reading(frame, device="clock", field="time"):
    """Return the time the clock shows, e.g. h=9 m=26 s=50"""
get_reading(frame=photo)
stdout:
h=12 m=22 s=40
